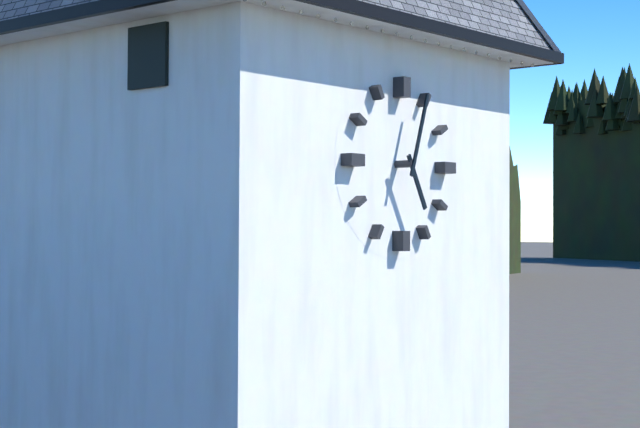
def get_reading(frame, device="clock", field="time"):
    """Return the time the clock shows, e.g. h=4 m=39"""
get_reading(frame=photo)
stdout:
h=5 m=3
